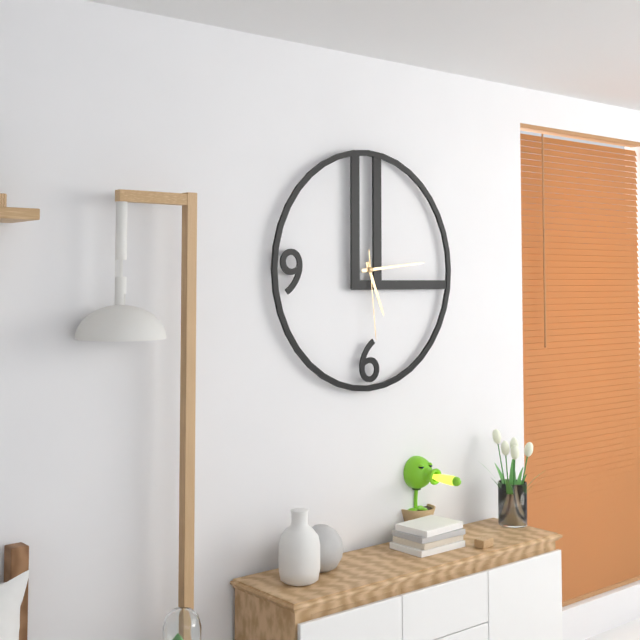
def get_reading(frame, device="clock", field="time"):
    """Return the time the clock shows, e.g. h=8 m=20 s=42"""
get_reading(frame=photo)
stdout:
h=5 m=14 s=29
